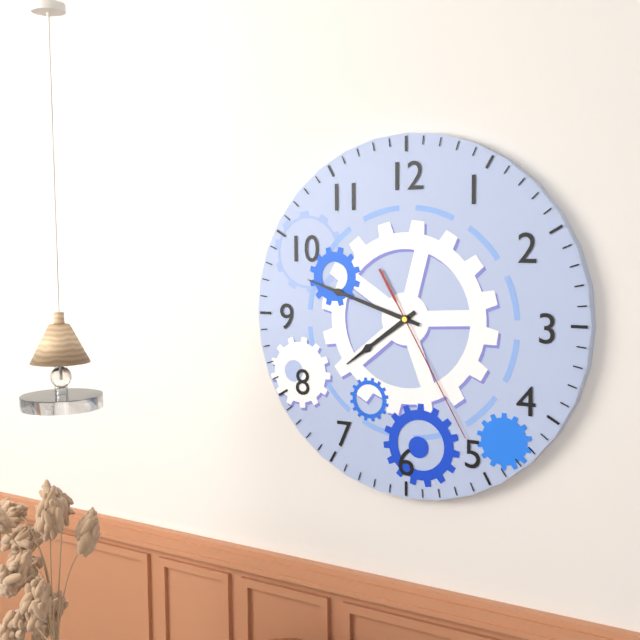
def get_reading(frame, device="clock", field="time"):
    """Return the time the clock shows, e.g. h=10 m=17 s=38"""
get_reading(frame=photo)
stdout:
h=7 m=48 s=25
